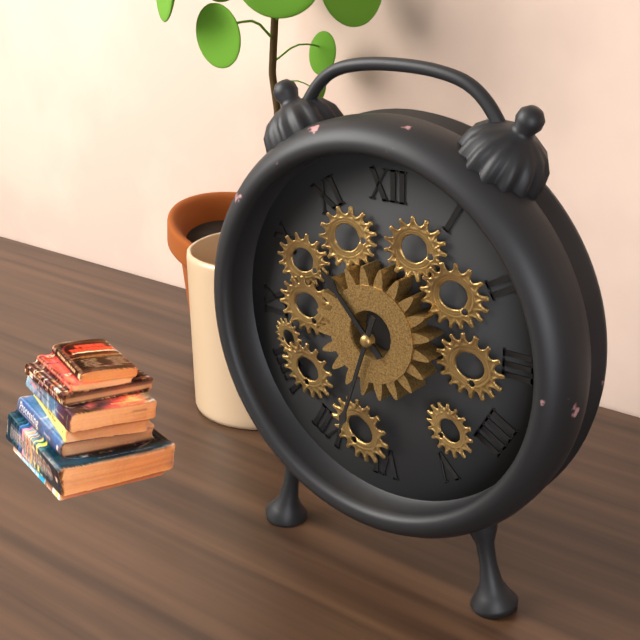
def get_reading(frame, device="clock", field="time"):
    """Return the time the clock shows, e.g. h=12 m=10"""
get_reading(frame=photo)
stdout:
h=10 m=33
